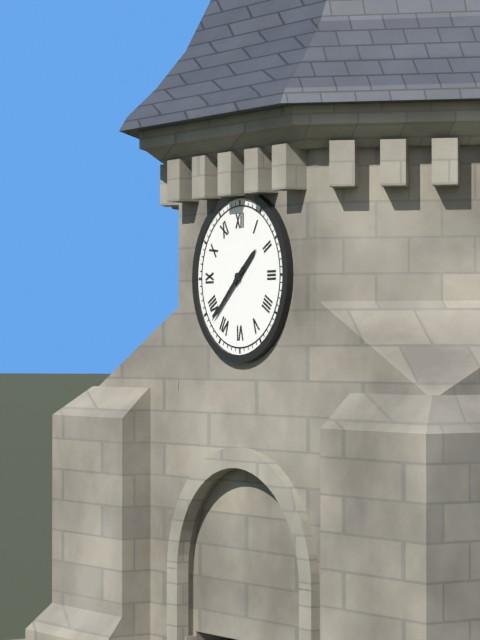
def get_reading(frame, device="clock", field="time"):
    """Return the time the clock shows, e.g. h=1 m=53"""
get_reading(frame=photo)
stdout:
h=1 m=38
